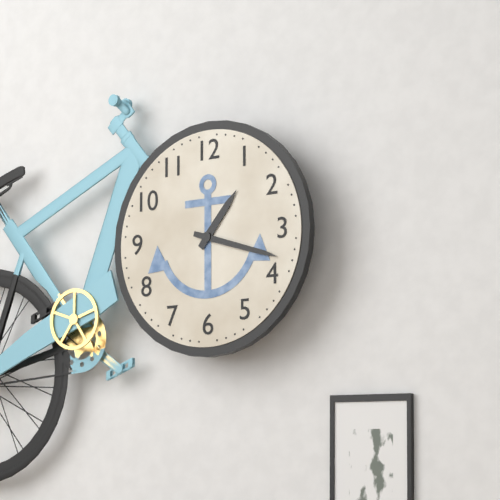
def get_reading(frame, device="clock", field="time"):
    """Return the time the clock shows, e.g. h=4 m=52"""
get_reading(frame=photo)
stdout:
h=1 m=18
